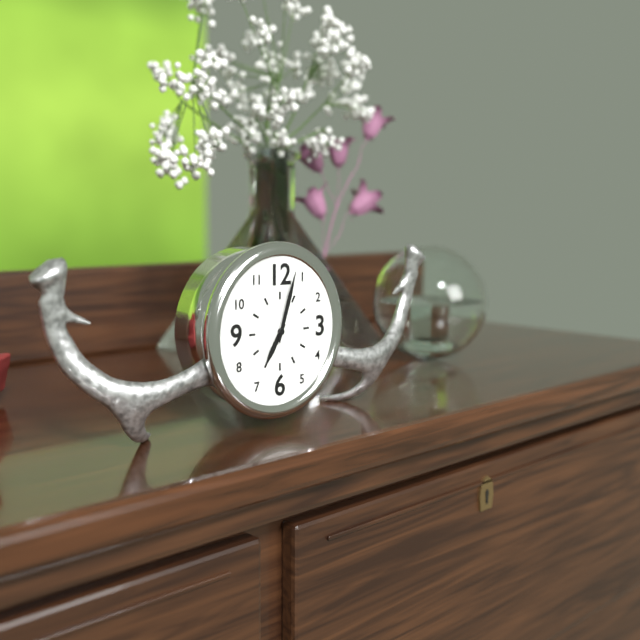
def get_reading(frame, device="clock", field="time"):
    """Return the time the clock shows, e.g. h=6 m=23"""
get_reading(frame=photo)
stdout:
h=7 m=3
